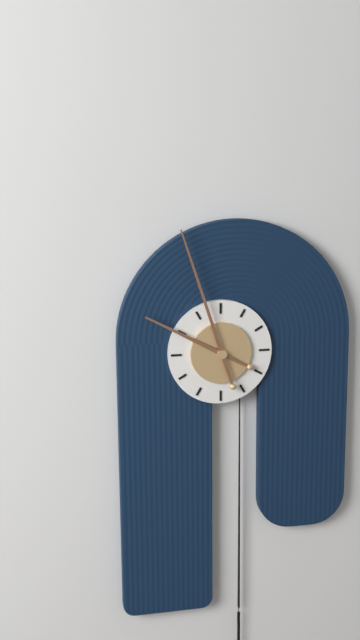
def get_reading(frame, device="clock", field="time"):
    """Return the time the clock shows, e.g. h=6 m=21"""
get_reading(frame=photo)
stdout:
h=9 m=57
